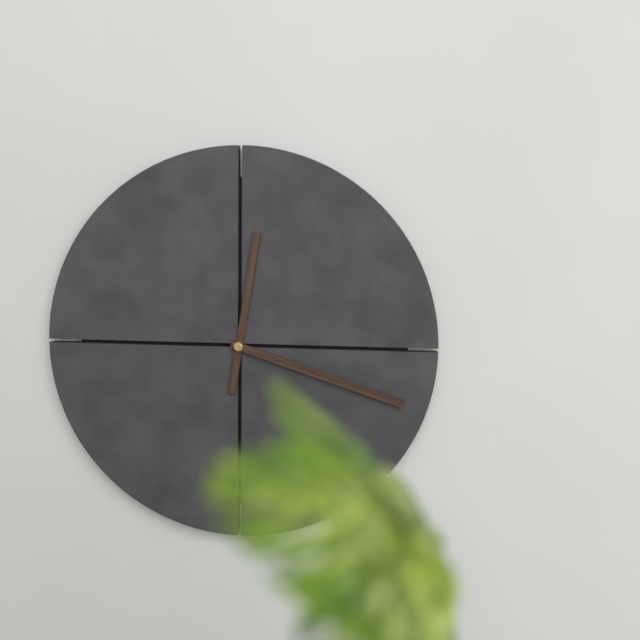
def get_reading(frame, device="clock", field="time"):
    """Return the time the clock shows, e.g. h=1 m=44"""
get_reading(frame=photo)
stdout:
h=12 m=18
